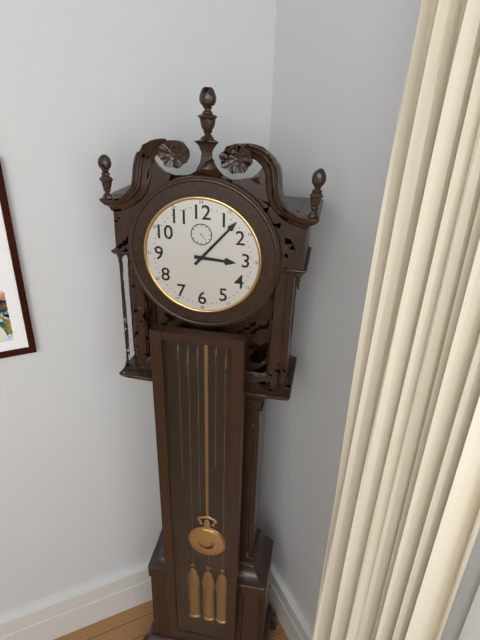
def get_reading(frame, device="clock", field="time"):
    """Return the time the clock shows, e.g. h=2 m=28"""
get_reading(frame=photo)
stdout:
h=3 m=7
